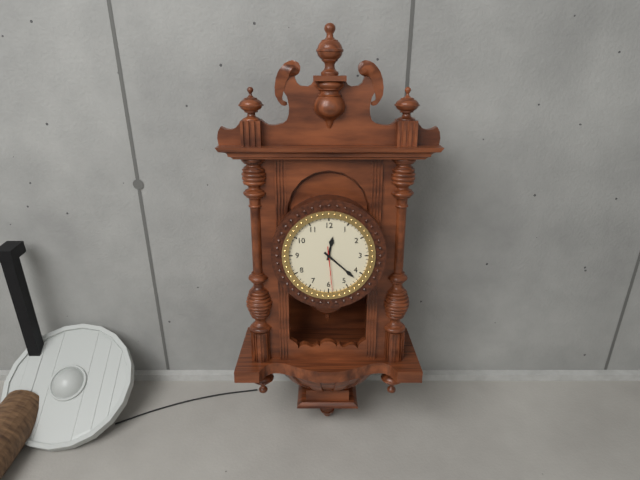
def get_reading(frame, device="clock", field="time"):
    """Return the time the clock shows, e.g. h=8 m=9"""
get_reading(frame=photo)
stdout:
h=12 m=22
